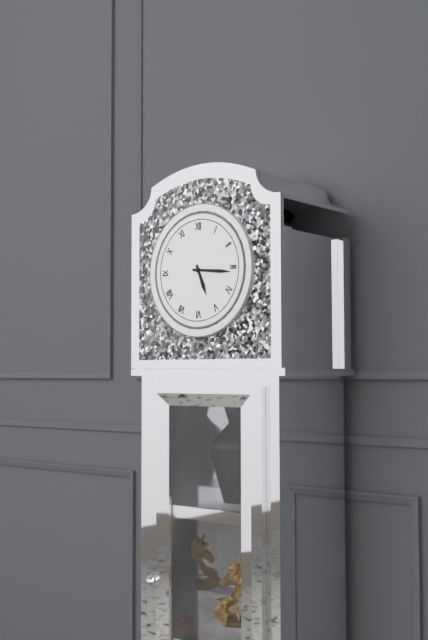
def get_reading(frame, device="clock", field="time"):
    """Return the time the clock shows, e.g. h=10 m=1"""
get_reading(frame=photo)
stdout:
h=5 m=16
